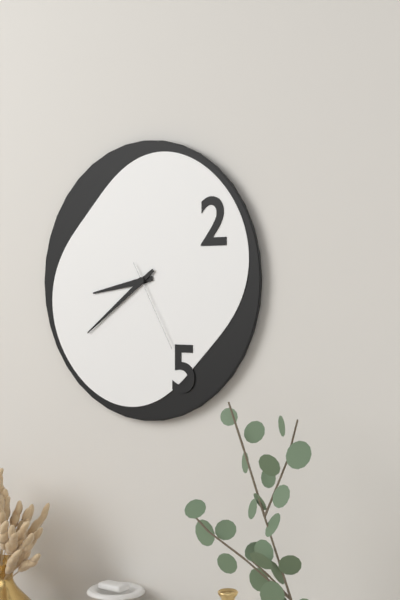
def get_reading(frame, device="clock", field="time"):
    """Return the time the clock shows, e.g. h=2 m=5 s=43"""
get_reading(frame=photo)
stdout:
h=8 m=39 s=25
